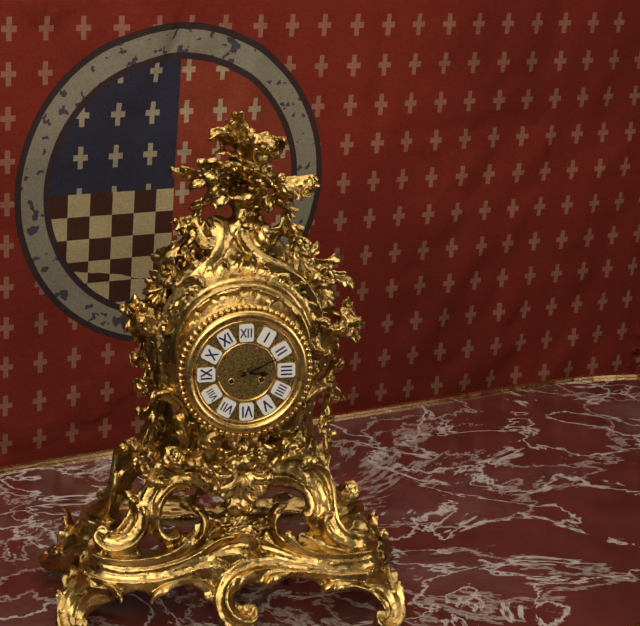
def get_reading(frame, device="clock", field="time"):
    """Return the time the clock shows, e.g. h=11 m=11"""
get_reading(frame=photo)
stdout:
h=3 m=11
